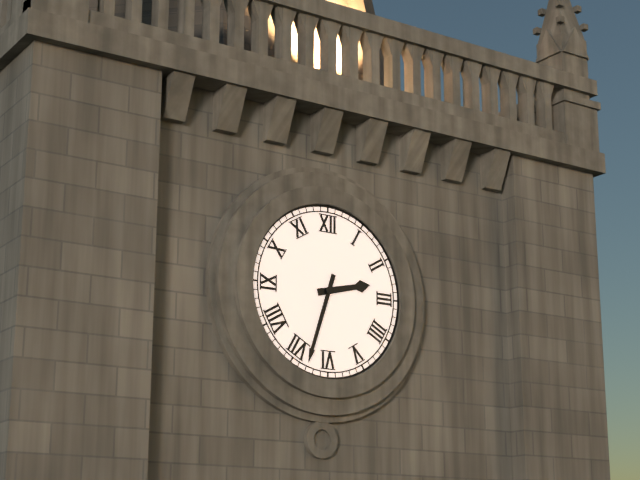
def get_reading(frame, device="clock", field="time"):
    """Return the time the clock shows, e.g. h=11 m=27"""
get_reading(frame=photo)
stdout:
h=2 m=33
